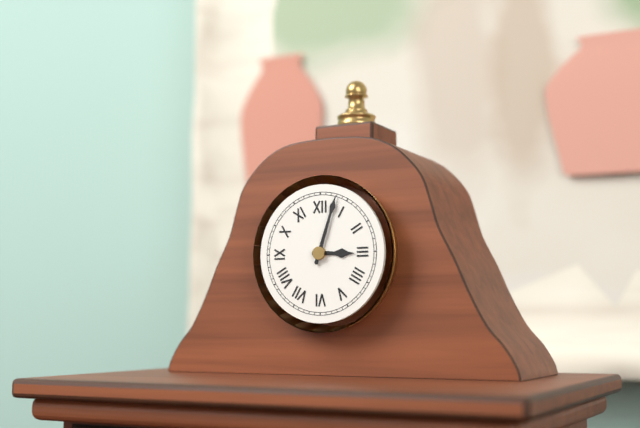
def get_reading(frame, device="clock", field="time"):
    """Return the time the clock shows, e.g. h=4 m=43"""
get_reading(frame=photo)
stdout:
h=3 m=3
